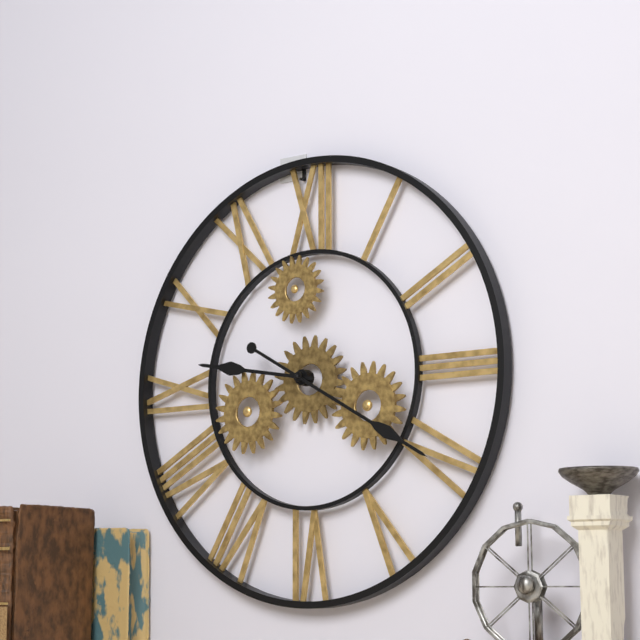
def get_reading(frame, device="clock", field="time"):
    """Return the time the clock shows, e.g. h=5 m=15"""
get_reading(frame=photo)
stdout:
h=9 m=20
